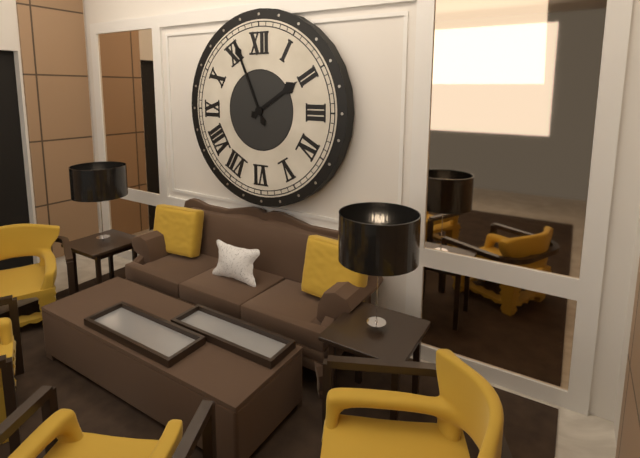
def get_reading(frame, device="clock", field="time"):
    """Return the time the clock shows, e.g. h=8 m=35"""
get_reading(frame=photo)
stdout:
h=1 m=56
